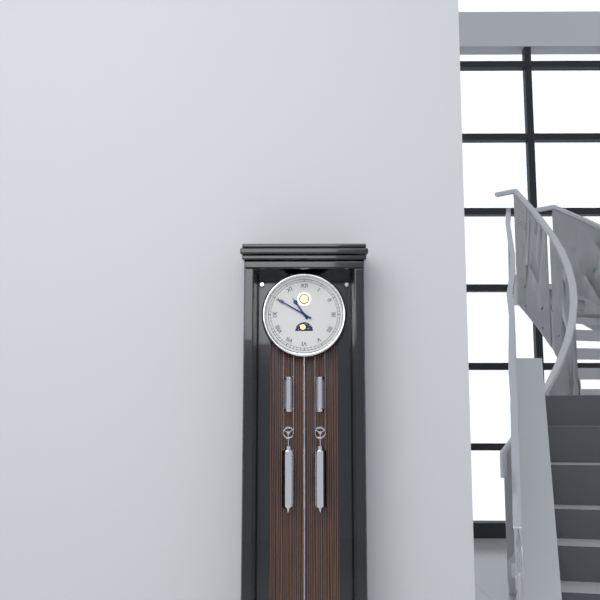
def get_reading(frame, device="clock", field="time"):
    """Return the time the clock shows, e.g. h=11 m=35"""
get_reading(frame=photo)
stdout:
h=10 m=50
